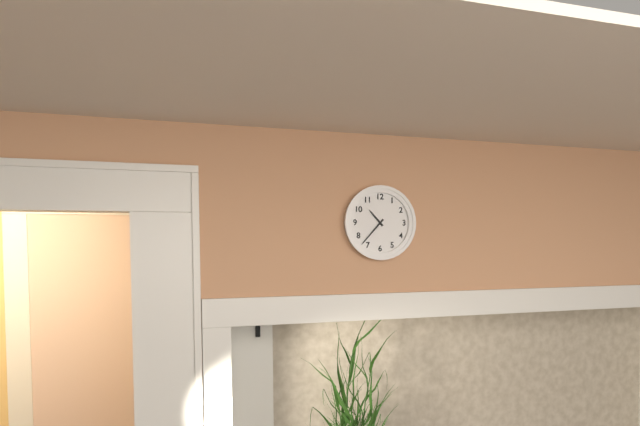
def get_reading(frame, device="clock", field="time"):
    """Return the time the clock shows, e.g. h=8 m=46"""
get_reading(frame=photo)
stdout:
h=10 m=37
